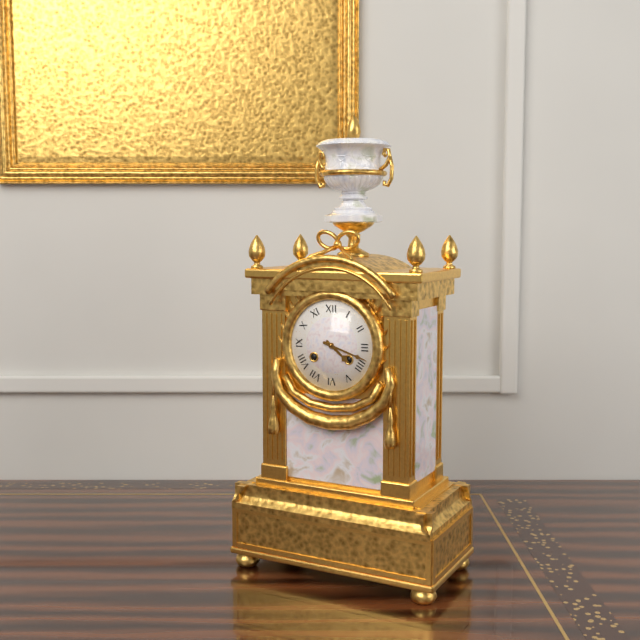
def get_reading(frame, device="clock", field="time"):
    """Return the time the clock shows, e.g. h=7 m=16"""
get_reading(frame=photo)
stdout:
h=4 m=18
